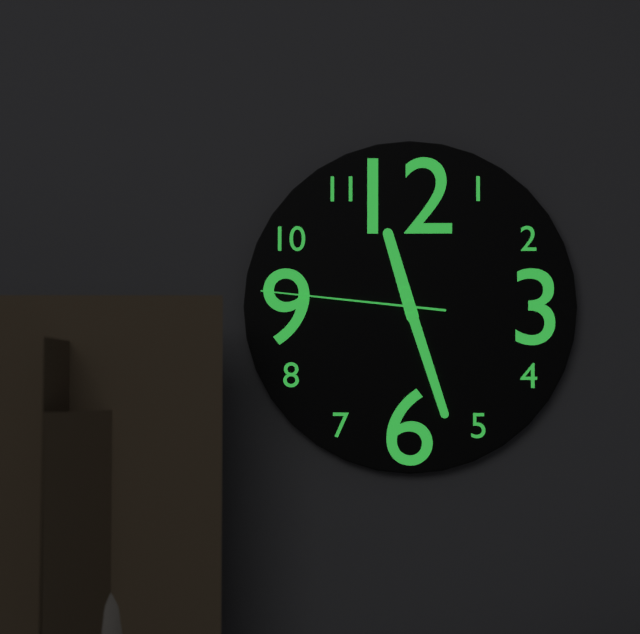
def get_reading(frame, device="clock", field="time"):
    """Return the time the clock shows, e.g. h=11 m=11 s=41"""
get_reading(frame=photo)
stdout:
h=11 m=27 s=46
